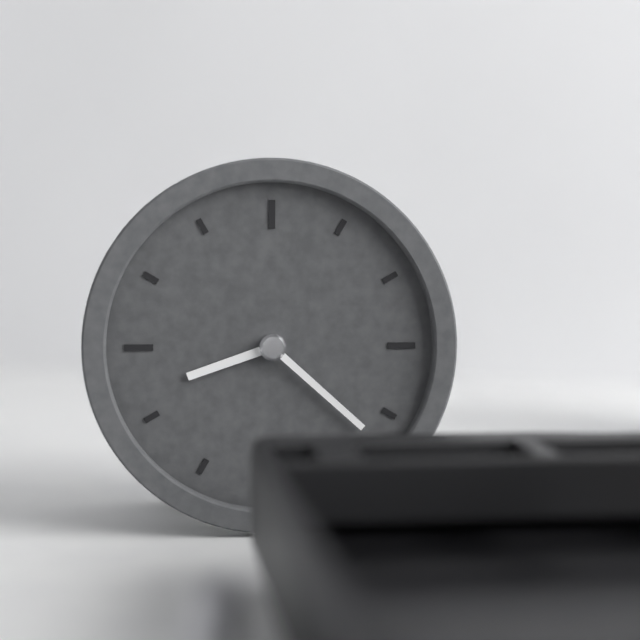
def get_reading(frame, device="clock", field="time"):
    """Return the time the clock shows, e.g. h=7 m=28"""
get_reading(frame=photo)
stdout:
h=8 m=22
